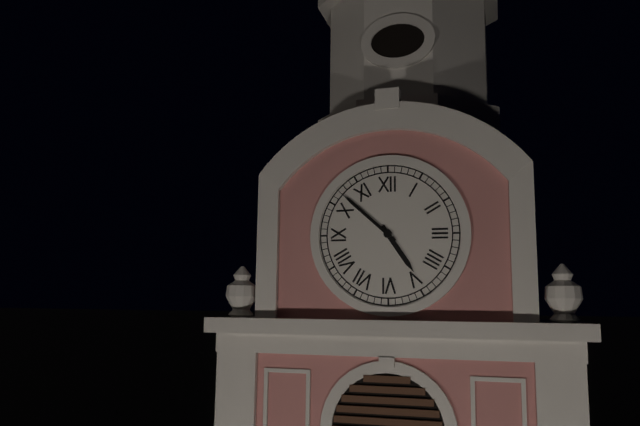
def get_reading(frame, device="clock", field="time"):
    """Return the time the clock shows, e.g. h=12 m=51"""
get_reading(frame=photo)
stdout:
h=4 m=52
